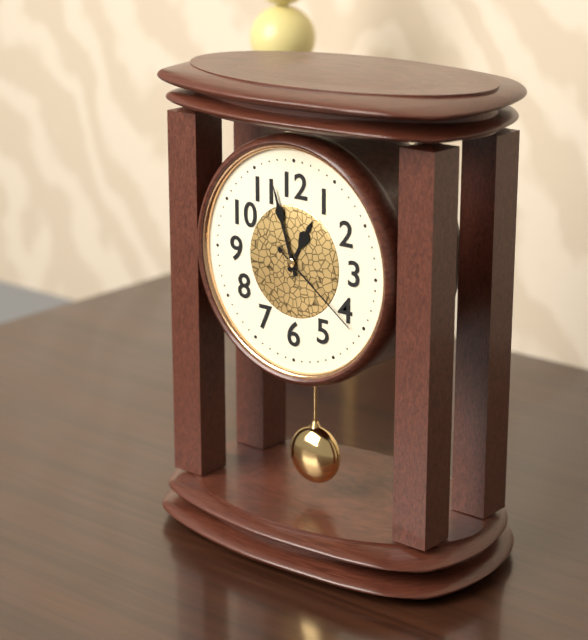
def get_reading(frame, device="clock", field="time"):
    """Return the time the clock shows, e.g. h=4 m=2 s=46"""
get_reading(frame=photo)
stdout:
h=12 m=57 s=21
